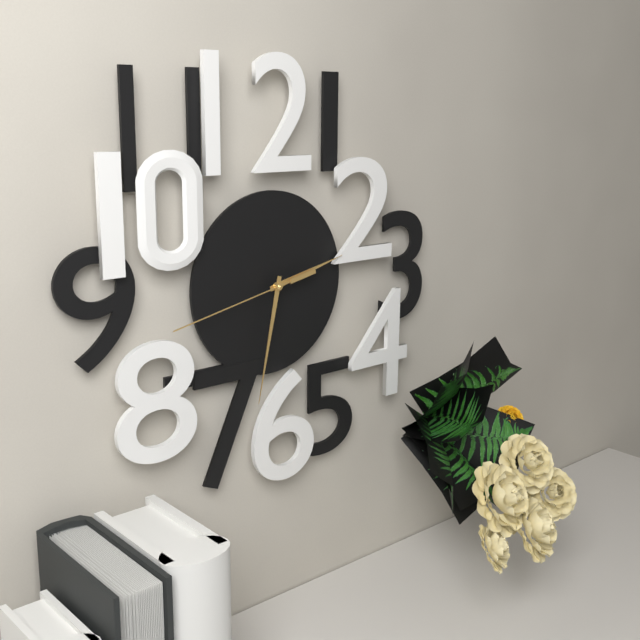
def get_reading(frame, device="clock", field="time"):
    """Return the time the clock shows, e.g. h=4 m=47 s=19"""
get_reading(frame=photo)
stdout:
h=2 m=32 s=43
